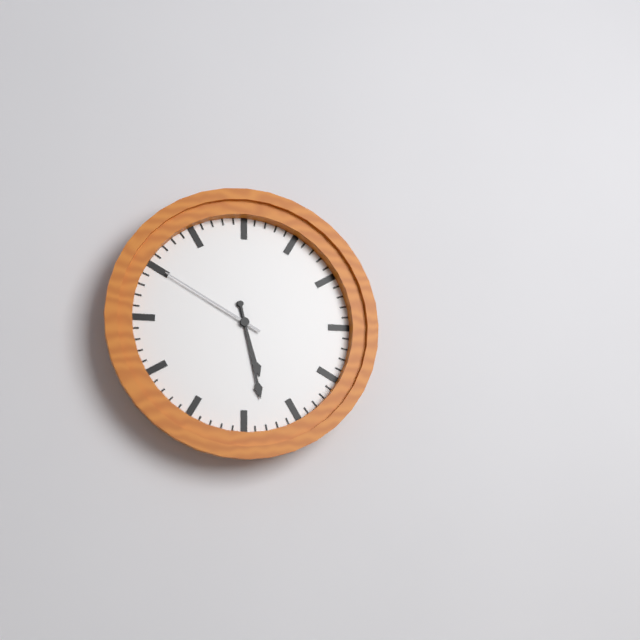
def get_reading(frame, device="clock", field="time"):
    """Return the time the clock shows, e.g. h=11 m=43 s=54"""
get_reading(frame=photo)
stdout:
h=5 m=28 s=50
